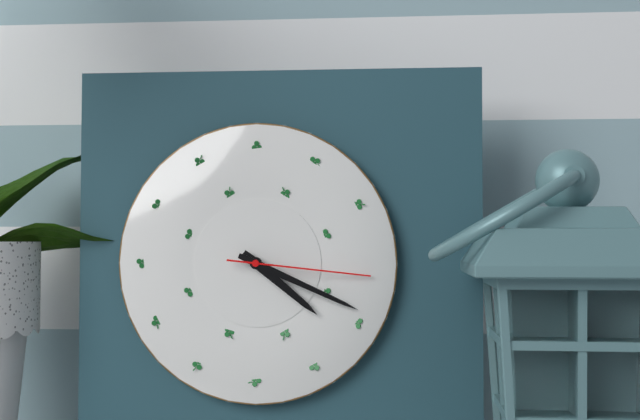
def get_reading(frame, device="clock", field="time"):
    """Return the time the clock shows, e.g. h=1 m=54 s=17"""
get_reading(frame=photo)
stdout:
h=4 m=19 s=16
